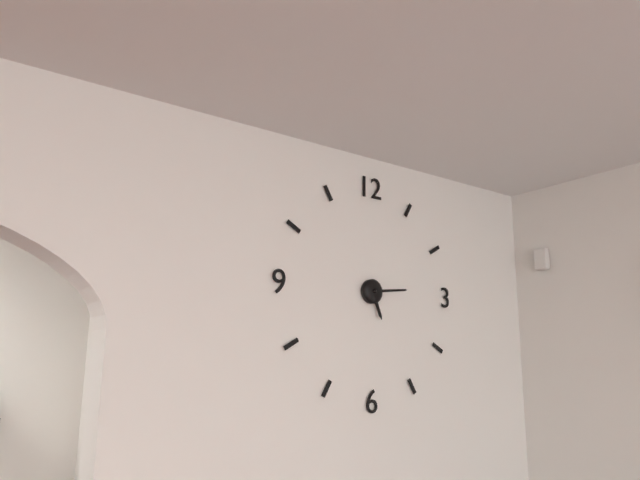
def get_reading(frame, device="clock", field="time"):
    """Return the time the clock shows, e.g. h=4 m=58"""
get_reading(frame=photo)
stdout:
h=5 m=14
